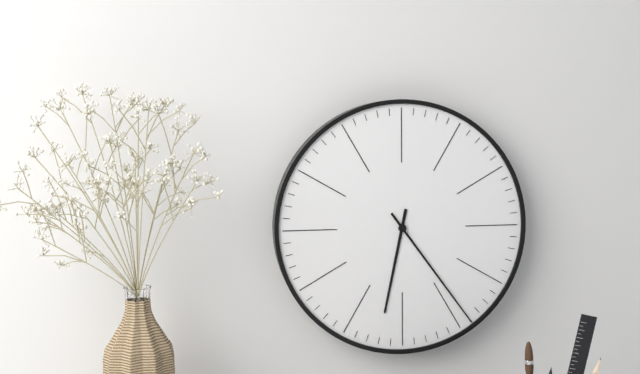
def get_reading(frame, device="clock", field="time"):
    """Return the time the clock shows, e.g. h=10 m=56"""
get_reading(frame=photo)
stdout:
h=6 m=24
